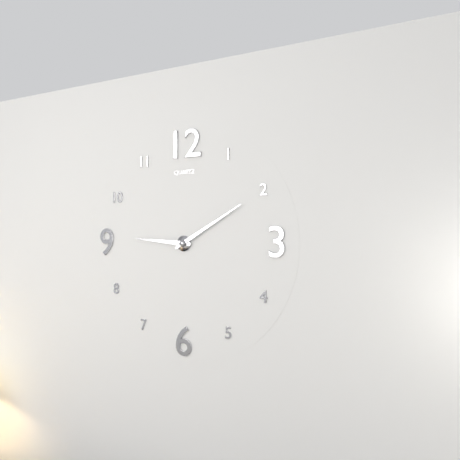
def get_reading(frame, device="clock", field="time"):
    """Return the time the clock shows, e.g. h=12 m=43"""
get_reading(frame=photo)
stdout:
h=9 m=10
